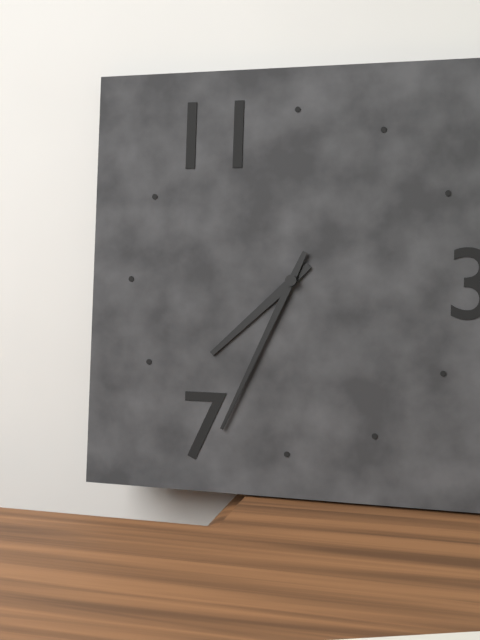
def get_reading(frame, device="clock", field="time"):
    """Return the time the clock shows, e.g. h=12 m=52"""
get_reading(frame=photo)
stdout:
h=7 m=34
